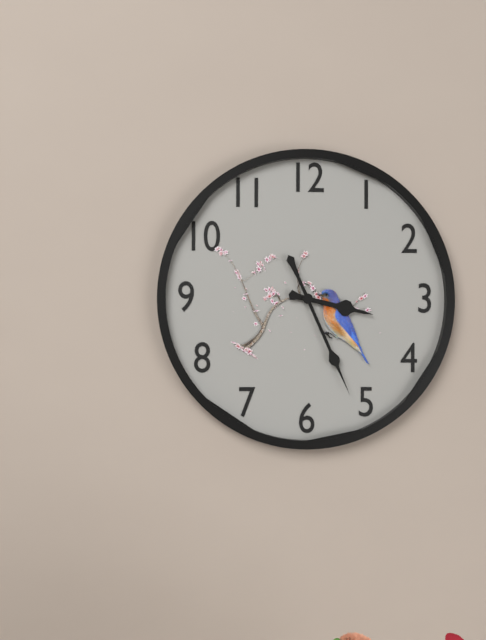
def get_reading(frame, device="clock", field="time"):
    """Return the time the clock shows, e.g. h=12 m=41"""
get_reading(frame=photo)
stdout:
h=3 m=26
